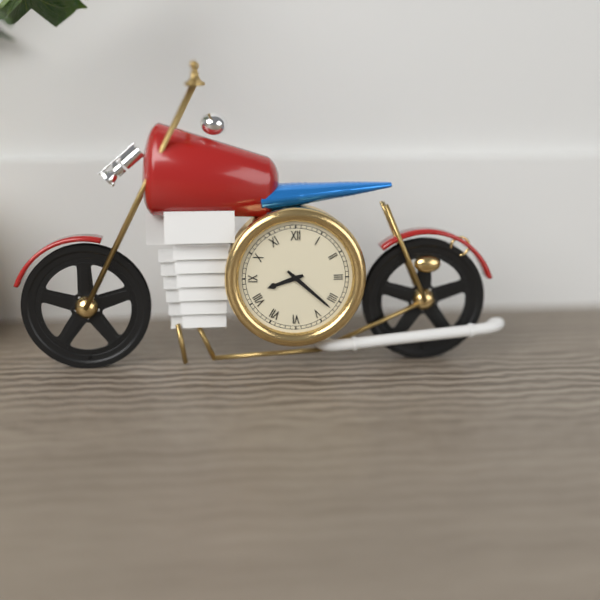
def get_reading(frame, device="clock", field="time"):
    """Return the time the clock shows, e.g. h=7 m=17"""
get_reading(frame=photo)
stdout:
h=8 m=22
